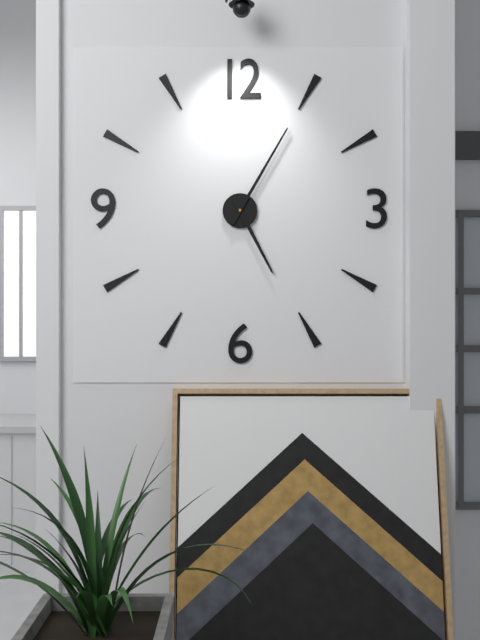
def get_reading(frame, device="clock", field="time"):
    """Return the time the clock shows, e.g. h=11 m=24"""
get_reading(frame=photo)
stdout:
h=5 m=5
